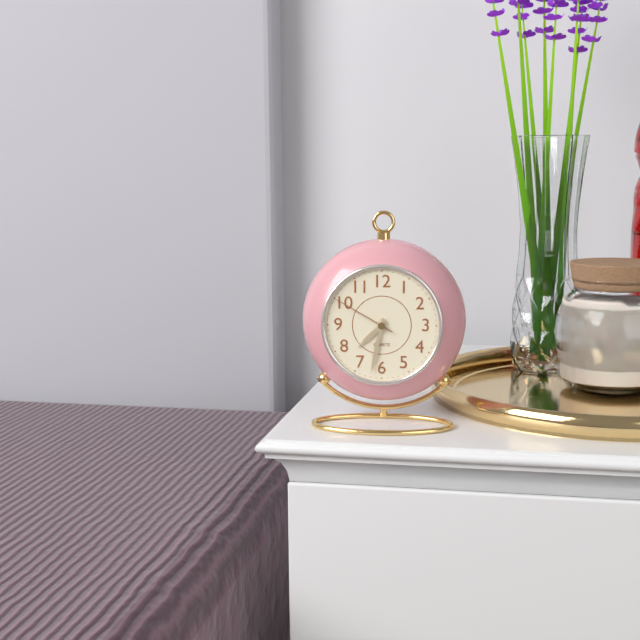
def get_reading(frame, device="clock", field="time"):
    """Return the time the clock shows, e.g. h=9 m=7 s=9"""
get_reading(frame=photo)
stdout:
h=7 m=32 s=50
